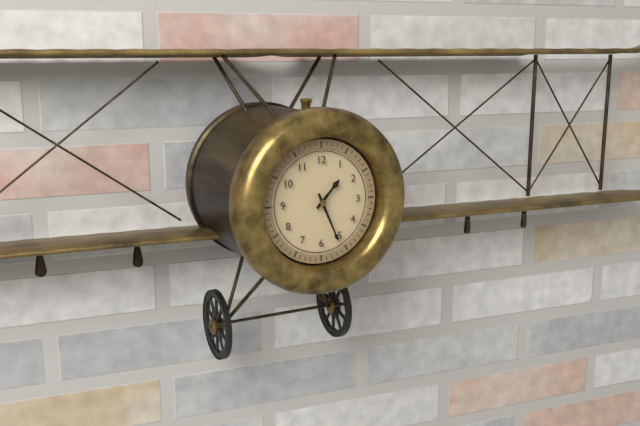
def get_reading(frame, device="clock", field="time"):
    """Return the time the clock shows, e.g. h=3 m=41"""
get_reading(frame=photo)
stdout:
h=1 m=26
